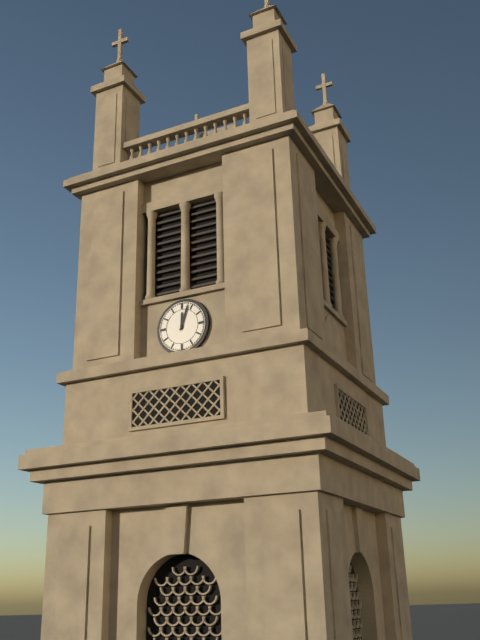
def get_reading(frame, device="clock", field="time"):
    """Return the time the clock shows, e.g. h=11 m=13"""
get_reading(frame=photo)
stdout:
h=12 m=3
